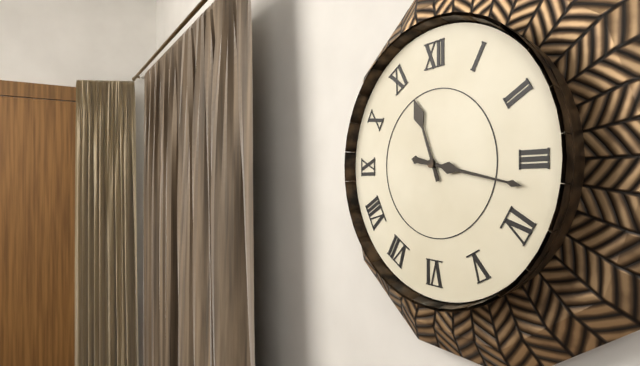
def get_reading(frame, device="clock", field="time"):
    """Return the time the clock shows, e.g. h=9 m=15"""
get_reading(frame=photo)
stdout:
h=11 m=17
